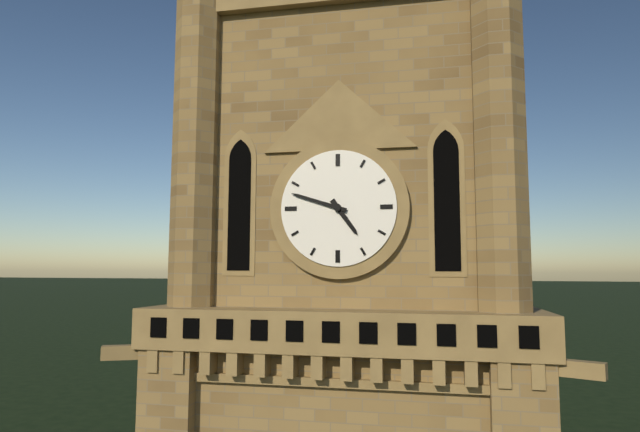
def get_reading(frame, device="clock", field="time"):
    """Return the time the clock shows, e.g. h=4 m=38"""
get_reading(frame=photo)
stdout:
h=4 m=48
